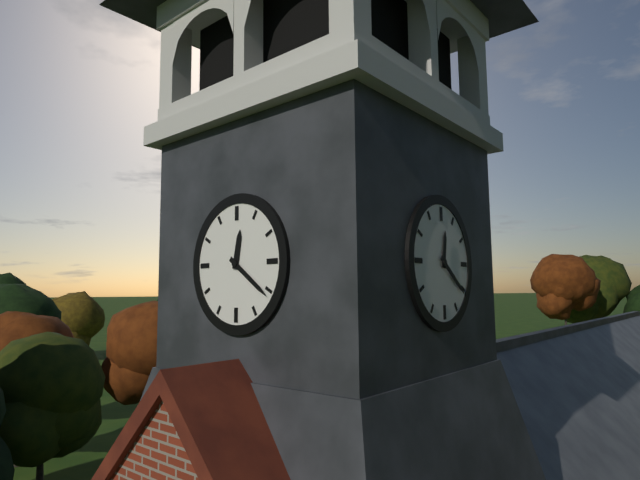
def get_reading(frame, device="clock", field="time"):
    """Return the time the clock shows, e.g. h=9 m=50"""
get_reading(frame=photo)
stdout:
h=12 m=21
